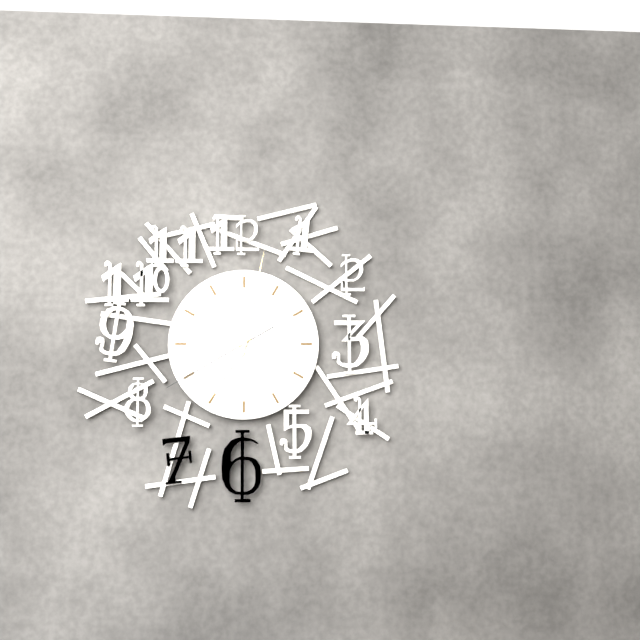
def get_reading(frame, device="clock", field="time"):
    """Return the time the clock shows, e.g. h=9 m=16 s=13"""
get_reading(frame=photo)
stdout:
h=7 m=2 s=40
